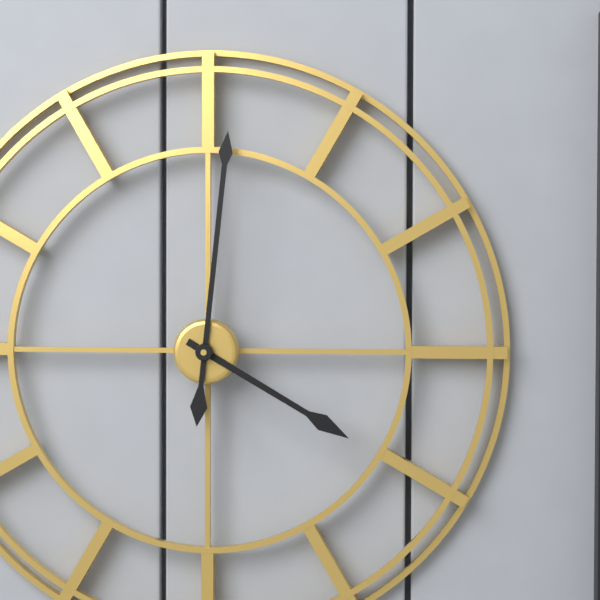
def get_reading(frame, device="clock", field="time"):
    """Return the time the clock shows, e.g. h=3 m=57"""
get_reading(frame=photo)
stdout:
h=4 m=1
